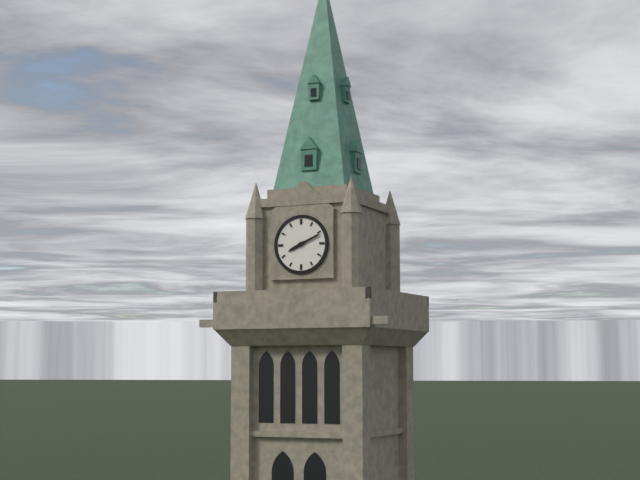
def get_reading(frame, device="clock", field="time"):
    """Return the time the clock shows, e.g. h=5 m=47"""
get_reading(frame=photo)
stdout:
h=8 m=11
